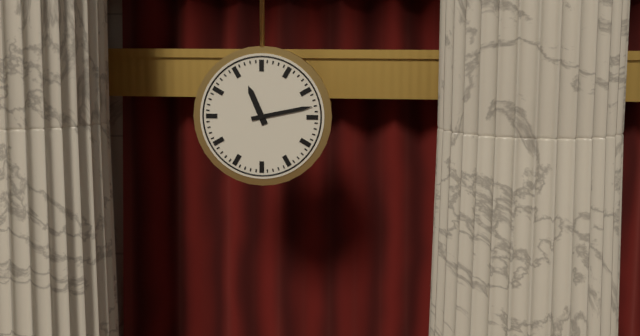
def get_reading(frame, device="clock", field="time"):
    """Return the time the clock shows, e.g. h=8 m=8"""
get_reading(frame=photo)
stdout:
h=11 m=13
